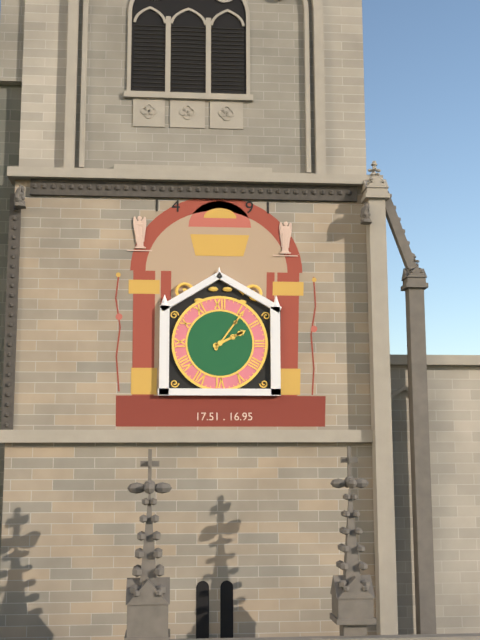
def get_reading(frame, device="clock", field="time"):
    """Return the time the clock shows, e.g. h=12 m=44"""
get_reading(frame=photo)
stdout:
h=2 m=6
